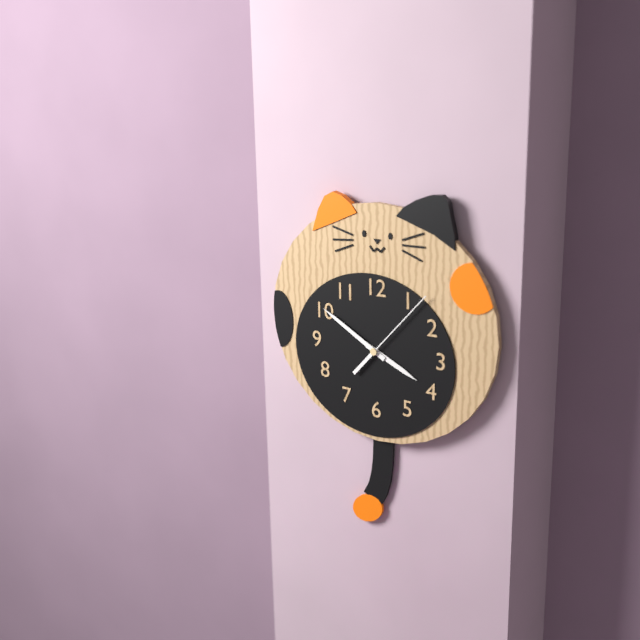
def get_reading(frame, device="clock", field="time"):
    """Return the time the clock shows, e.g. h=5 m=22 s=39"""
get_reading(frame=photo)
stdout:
h=3 m=50 s=7
